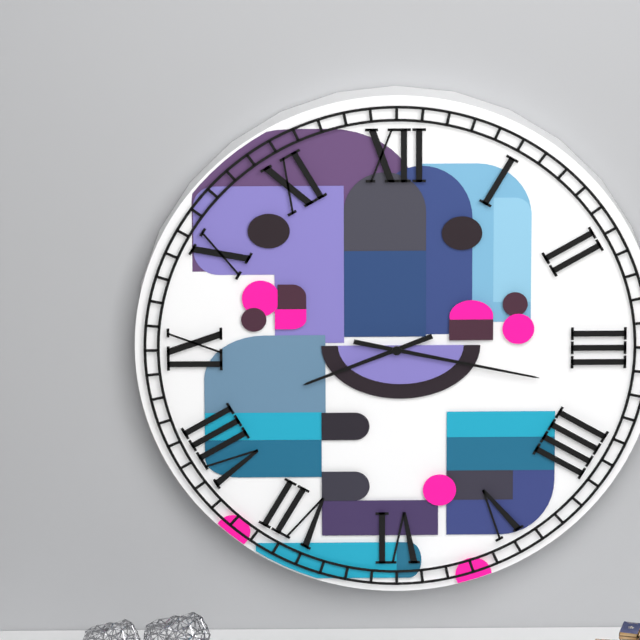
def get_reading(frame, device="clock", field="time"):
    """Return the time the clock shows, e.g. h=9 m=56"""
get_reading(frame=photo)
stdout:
h=8 m=17
